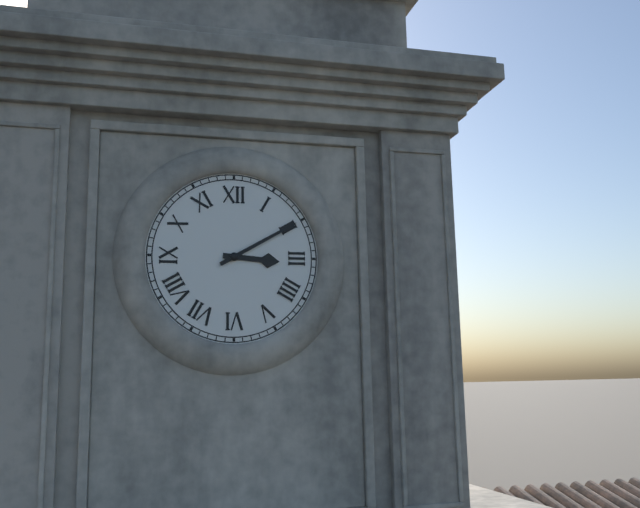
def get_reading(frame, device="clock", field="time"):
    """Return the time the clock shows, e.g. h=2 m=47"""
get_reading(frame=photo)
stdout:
h=3 m=10
